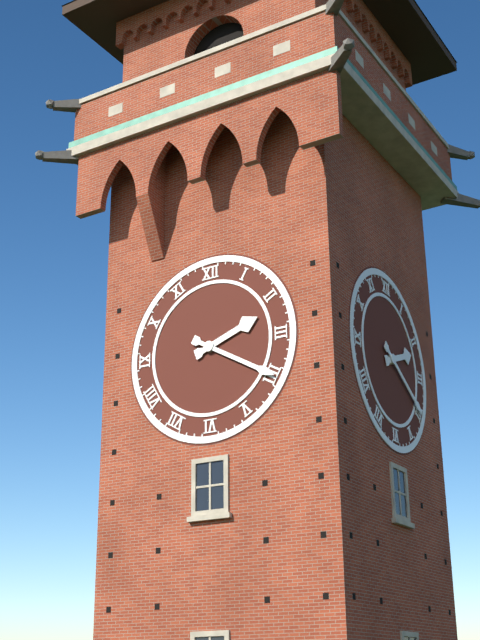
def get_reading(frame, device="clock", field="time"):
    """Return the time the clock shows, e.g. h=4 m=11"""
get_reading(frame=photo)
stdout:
h=2 m=20
